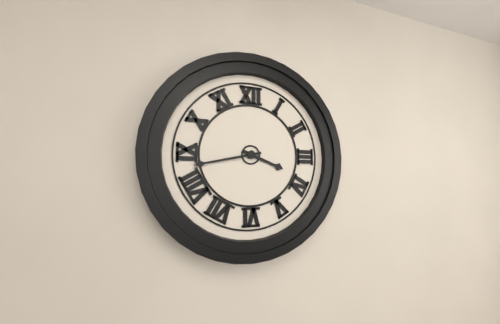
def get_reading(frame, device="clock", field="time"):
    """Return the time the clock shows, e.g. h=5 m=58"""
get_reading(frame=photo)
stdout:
h=3 m=43
